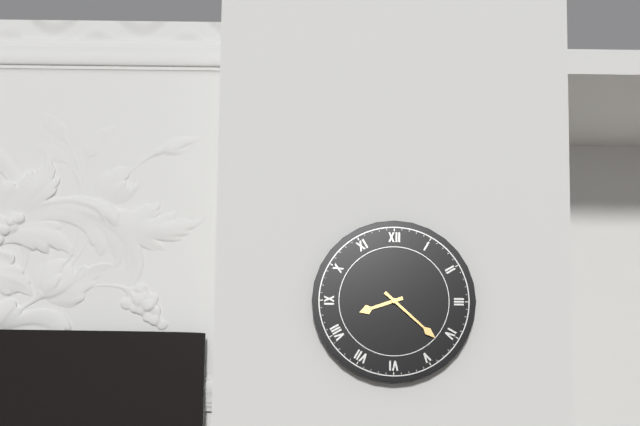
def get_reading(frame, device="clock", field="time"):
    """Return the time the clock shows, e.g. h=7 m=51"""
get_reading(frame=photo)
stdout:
h=8 m=22
